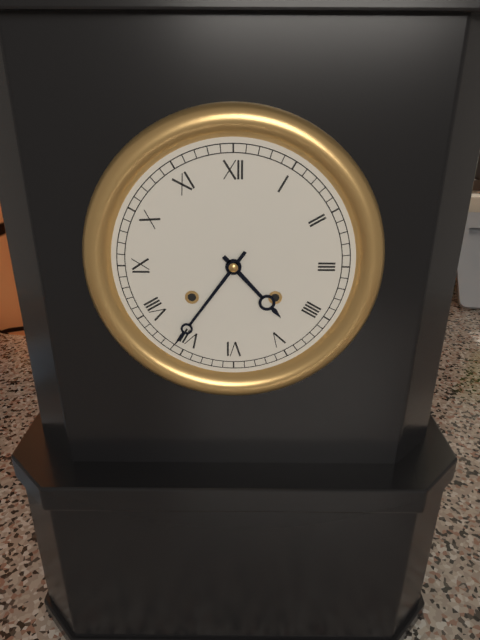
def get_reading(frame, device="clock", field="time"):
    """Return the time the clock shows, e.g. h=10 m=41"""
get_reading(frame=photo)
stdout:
h=4 m=36
